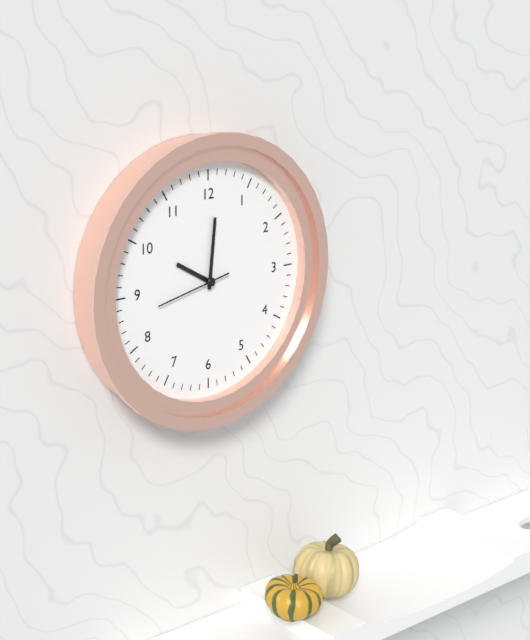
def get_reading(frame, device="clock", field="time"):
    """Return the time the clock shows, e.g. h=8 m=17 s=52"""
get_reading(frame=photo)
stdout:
h=10 m=1 s=43
